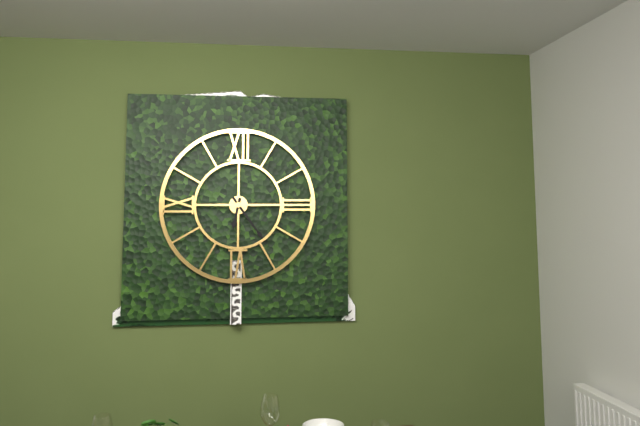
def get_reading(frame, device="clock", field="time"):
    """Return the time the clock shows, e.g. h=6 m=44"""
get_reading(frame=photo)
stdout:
h=6 m=24
